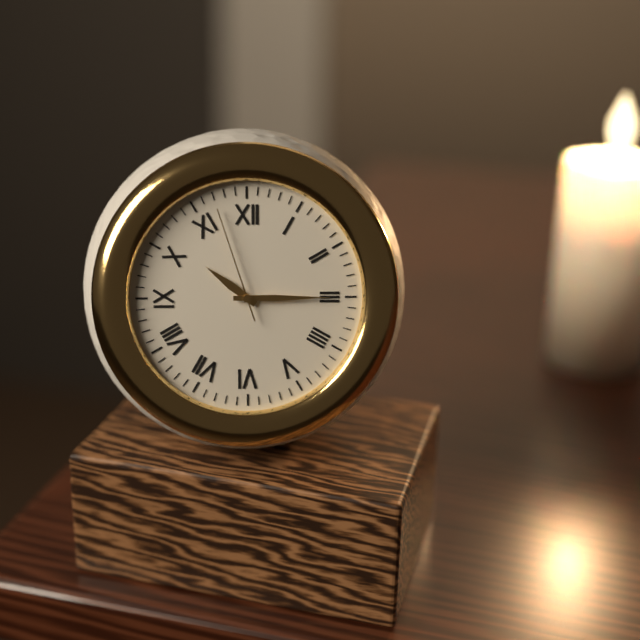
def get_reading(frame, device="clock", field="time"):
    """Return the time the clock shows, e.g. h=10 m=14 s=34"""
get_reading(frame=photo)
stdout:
h=10 m=15 s=57
